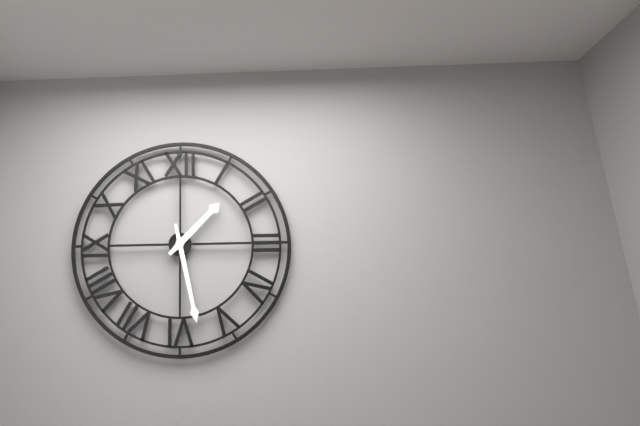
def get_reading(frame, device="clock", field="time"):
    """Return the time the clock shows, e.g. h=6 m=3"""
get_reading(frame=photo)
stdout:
h=1 m=28
